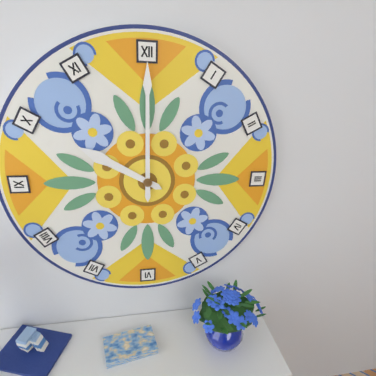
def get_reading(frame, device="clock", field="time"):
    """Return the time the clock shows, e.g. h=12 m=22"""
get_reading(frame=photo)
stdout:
h=10 m=0
